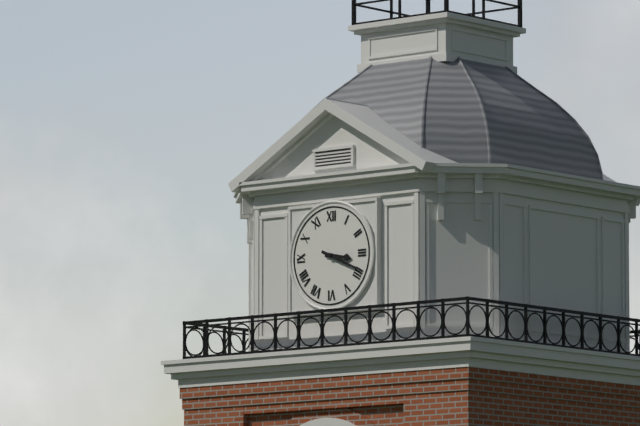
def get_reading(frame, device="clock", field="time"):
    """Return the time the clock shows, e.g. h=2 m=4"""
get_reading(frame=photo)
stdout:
h=3 m=19
